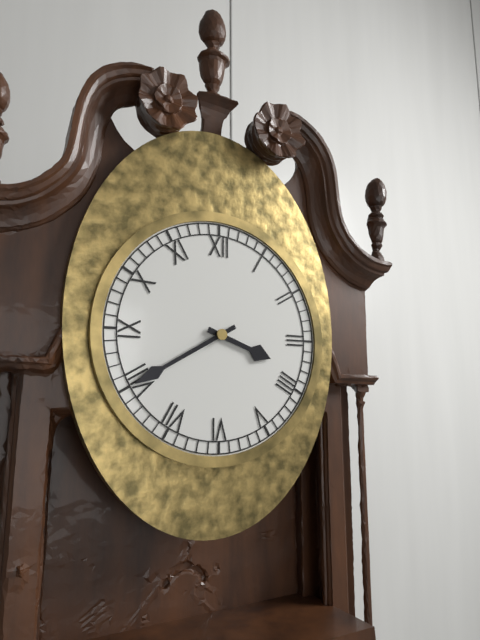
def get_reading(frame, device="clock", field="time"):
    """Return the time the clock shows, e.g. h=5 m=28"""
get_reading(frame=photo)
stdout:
h=3 m=40
